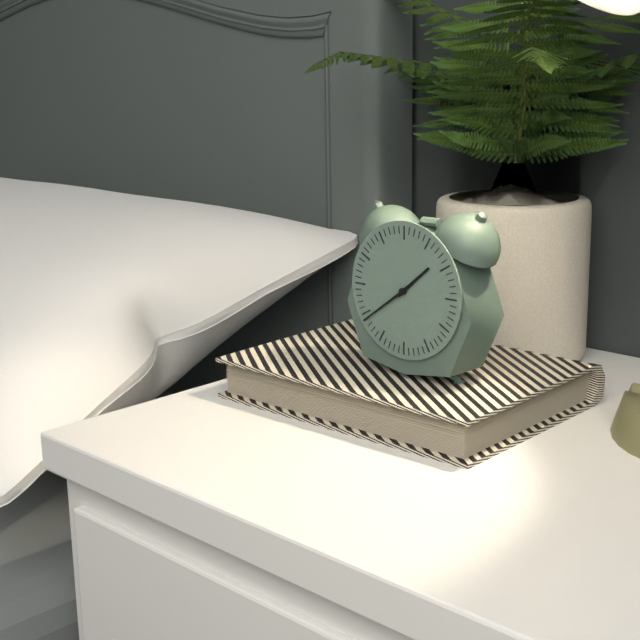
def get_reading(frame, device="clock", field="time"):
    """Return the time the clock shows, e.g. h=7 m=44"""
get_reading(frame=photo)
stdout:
h=1 m=39
